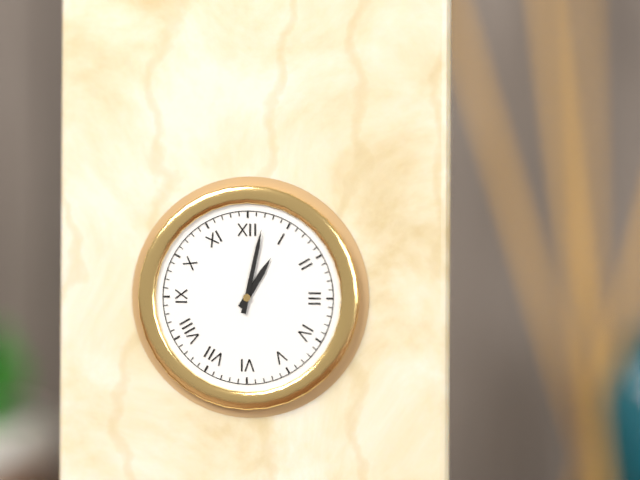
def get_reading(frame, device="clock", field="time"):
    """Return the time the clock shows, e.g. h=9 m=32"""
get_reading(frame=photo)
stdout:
h=1 m=2
